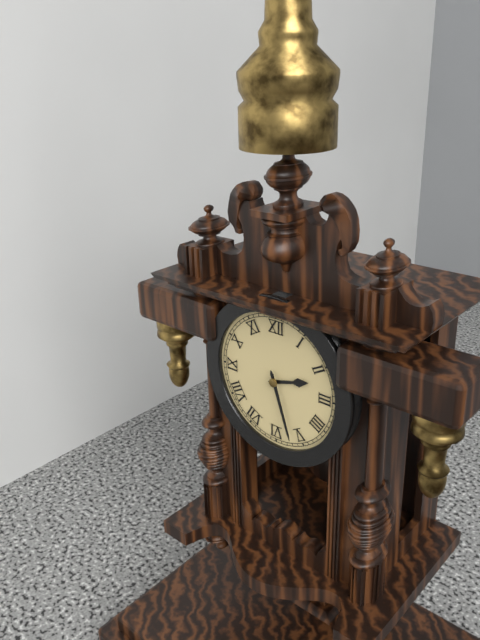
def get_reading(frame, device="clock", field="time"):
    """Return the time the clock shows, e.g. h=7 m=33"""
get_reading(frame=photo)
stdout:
h=2 m=27
